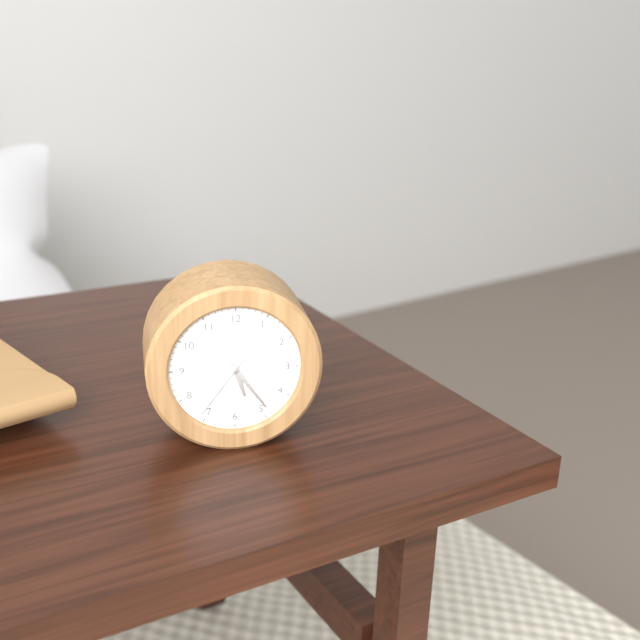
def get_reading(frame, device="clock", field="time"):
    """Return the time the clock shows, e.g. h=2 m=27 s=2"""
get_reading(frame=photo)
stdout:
h=5 m=24 s=36
